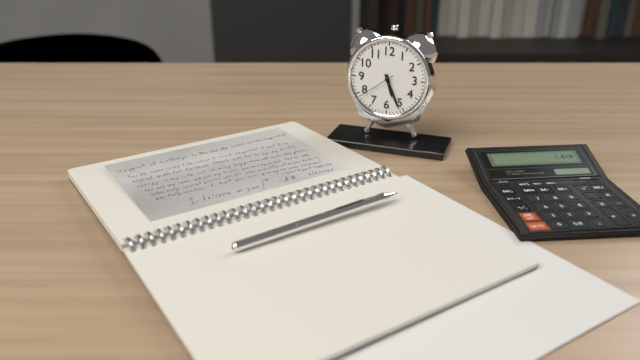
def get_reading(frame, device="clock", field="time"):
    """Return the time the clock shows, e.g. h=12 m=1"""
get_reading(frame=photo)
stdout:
h=5 m=26
